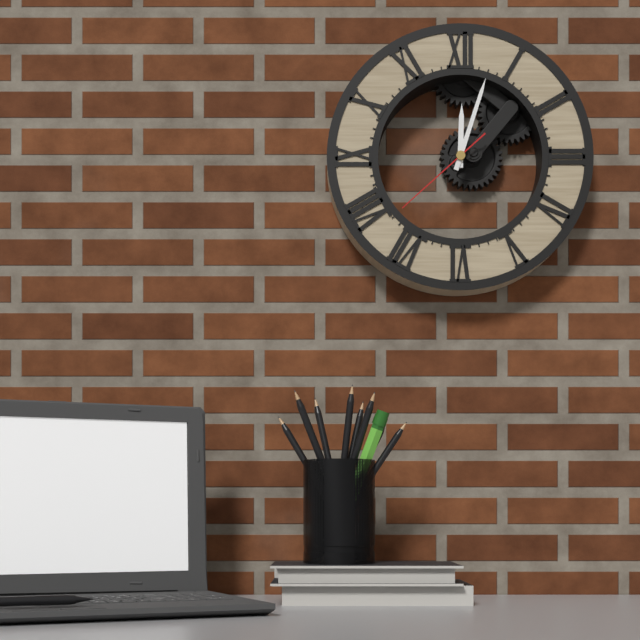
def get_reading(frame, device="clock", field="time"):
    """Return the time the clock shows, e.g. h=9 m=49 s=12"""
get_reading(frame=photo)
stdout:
h=12 m=3 s=38
